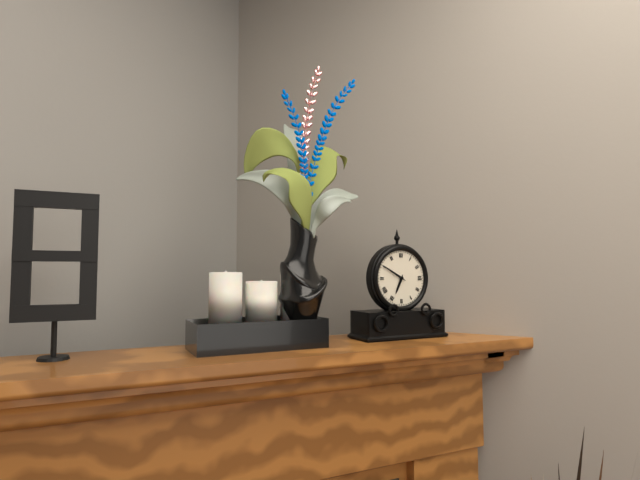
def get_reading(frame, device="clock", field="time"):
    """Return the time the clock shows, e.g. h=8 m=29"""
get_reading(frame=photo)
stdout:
h=6 m=50
